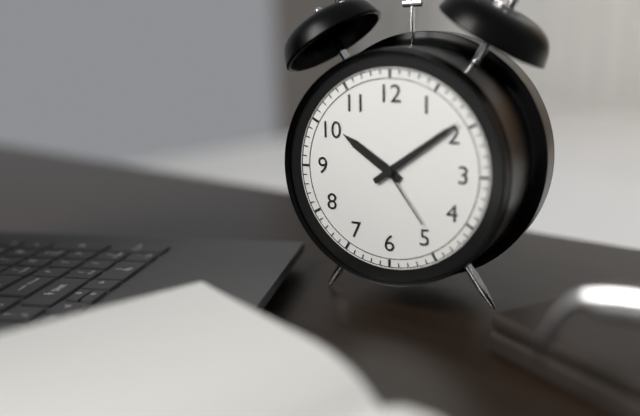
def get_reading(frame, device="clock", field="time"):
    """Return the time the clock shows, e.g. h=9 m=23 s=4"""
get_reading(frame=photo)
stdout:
h=10 m=9 s=24
